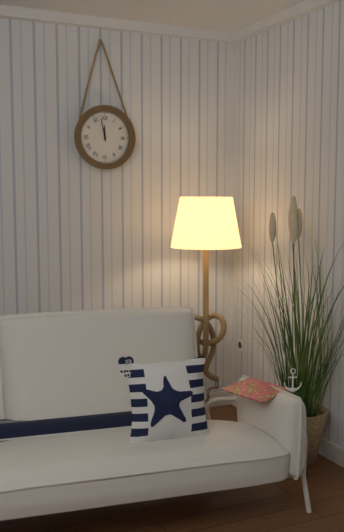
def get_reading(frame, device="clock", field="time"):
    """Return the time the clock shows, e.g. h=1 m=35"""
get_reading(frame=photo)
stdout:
h=11 m=58
